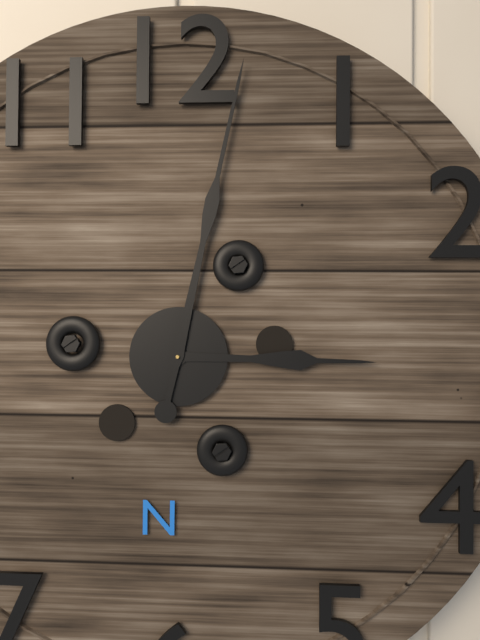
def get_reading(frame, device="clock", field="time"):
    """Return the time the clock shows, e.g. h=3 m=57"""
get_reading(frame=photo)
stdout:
h=3 m=2
